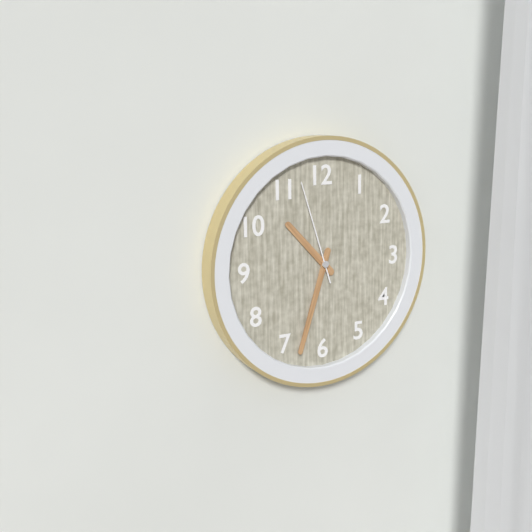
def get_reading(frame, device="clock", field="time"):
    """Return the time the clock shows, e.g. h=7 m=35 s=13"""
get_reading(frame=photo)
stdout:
h=10 m=33 s=57
